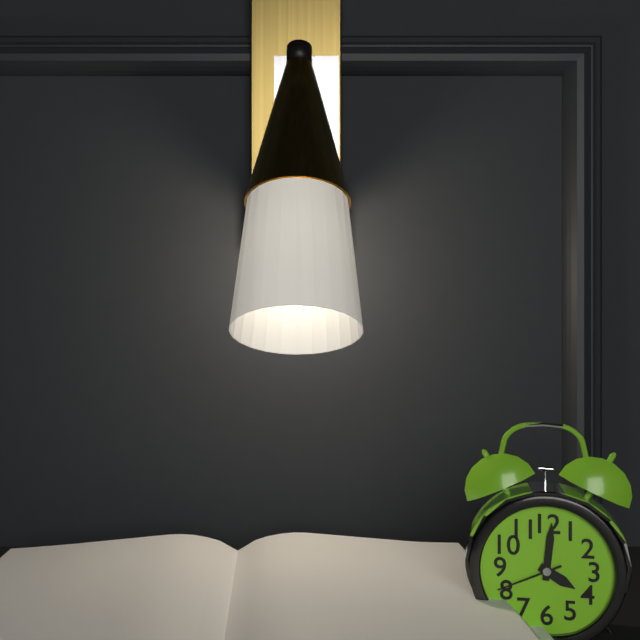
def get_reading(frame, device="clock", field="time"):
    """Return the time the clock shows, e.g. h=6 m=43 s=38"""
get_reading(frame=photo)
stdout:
h=4 m=1 s=41
